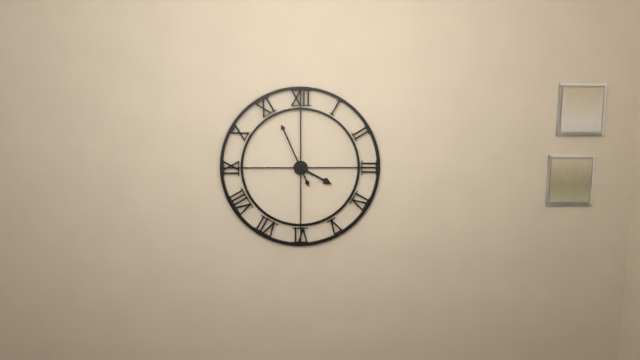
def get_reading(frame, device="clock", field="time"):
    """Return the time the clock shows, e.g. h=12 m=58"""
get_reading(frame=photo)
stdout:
h=3 m=56
